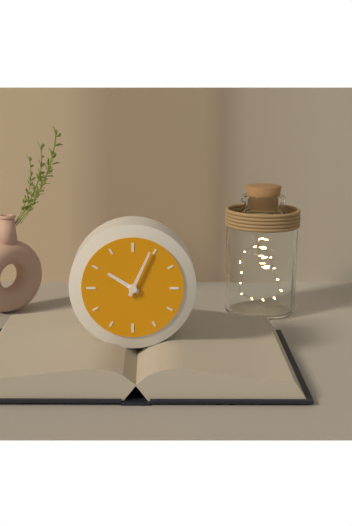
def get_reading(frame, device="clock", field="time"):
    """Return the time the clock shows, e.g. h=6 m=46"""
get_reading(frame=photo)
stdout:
h=10 m=4
